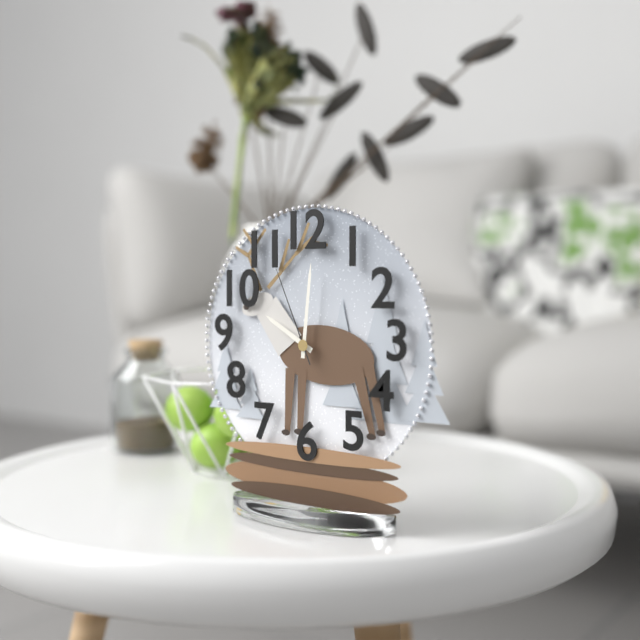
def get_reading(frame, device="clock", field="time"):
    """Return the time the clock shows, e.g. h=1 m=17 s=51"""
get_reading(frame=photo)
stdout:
h=10 m=1 s=56
